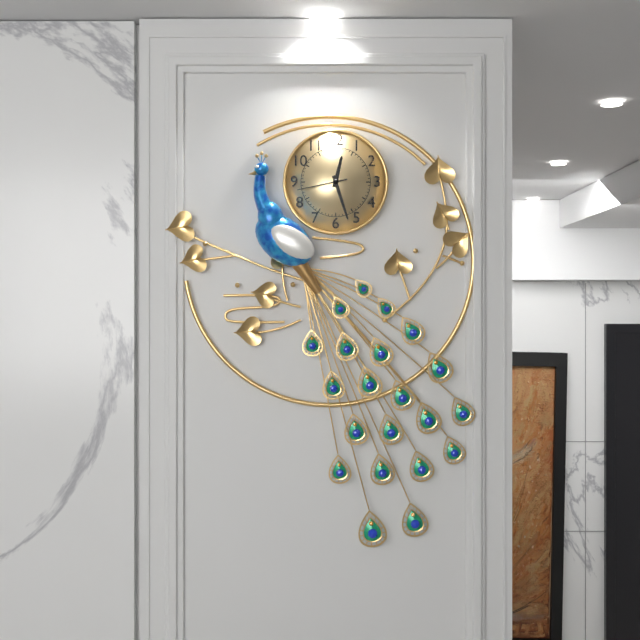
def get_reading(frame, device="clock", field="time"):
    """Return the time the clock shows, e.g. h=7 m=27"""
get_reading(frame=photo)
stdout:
h=12 m=27
